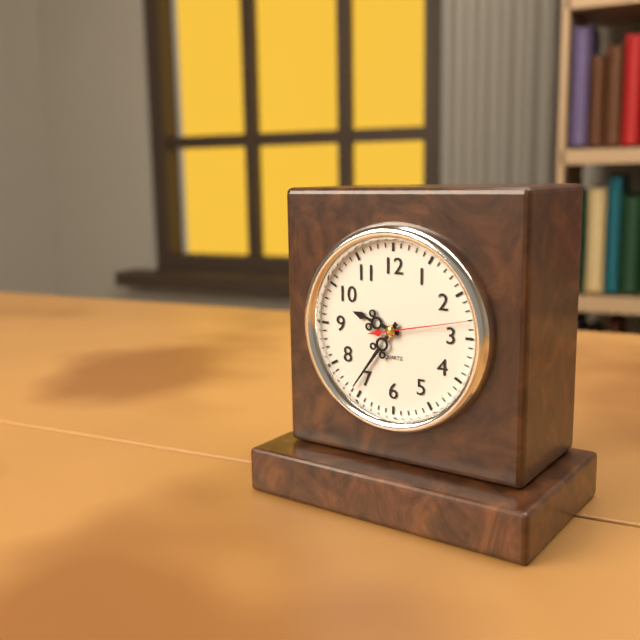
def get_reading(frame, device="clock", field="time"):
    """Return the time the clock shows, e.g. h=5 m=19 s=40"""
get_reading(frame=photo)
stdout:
h=9 m=36 s=13
